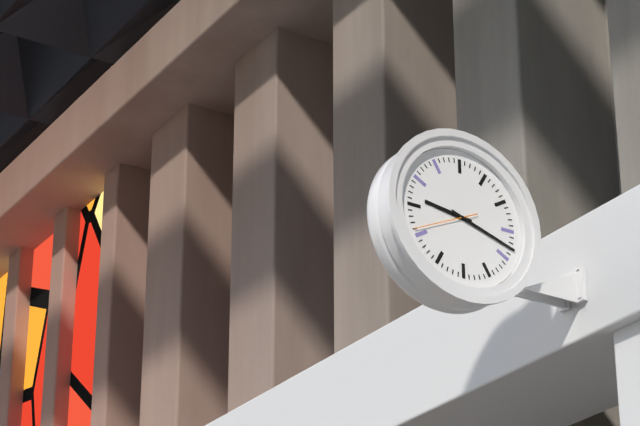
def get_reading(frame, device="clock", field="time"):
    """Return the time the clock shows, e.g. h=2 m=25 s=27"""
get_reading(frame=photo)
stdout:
h=9 m=18 s=41
